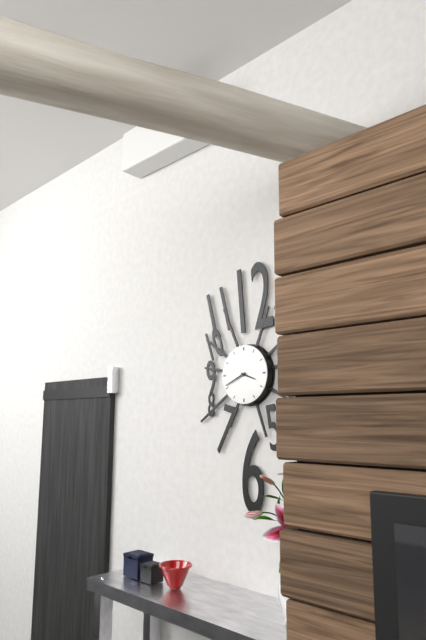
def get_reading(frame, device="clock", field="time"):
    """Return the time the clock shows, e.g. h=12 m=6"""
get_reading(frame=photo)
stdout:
h=3 m=41
